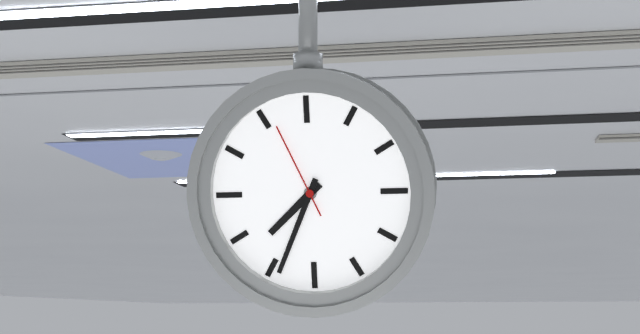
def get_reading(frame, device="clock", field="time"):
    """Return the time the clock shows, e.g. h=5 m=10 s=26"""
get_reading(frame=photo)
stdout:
h=7 m=34 s=56
